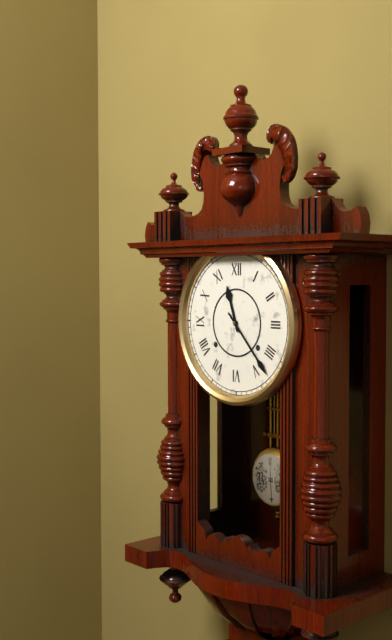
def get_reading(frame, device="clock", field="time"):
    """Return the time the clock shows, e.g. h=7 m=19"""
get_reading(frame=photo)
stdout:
h=11 m=23
